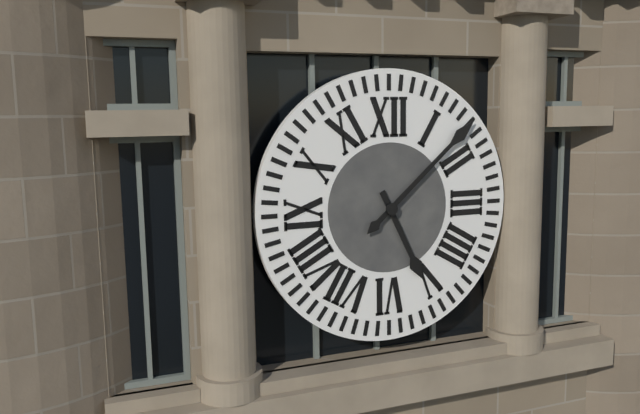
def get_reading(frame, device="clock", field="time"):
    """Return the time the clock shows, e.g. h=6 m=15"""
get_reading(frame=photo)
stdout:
h=5 m=8
